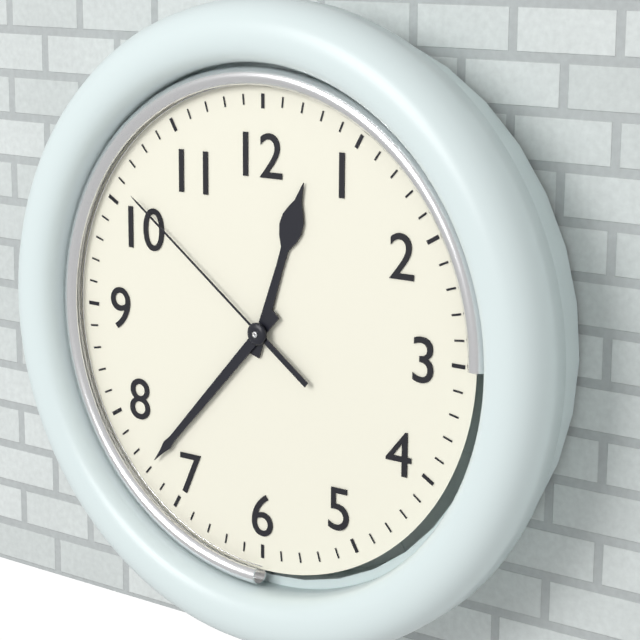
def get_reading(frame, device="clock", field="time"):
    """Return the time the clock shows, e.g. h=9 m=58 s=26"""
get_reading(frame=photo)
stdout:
h=12 m=37 s=51
